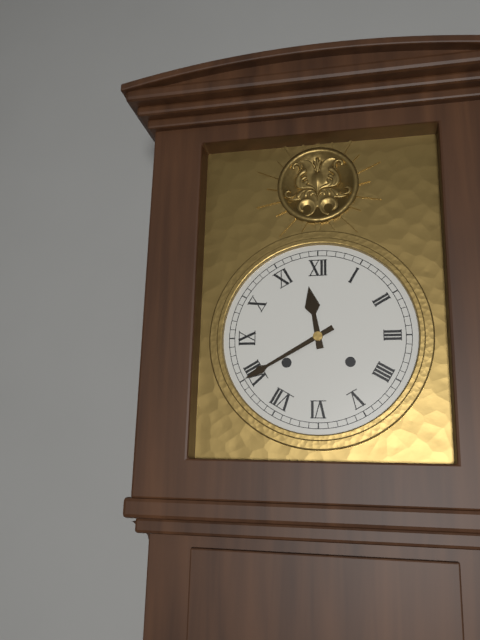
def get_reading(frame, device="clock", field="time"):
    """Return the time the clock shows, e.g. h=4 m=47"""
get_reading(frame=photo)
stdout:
h=11 m=40
